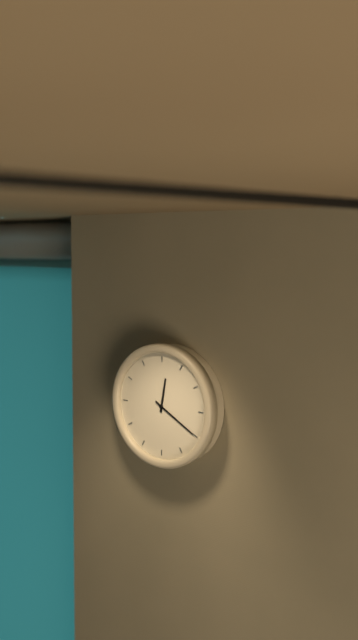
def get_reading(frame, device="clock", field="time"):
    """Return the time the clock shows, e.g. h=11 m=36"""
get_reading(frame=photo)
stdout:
h=12 m=20
